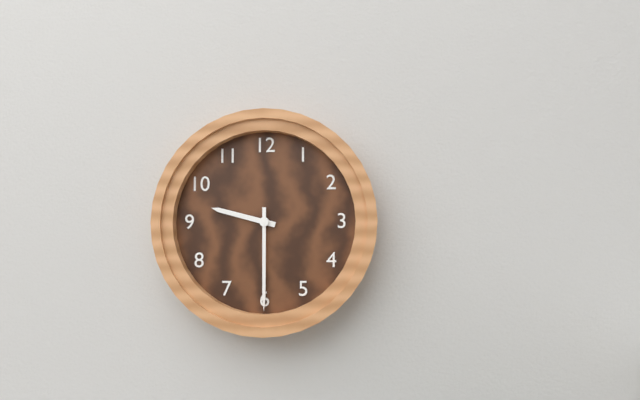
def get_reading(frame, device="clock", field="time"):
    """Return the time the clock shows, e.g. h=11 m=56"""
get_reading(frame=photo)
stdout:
h=9 m=30
